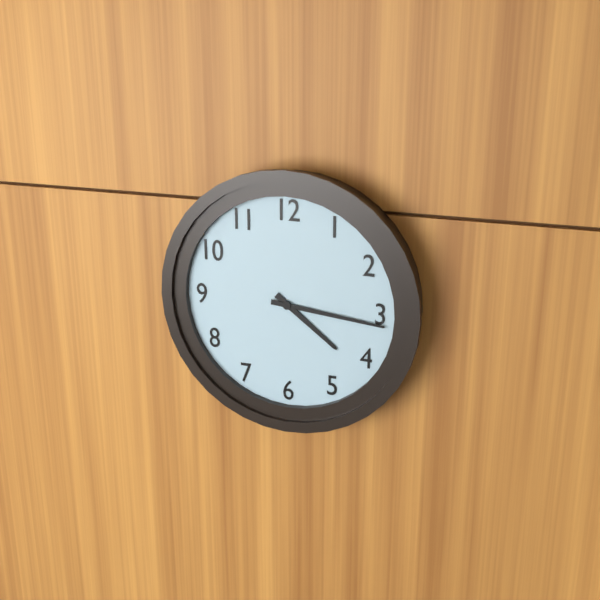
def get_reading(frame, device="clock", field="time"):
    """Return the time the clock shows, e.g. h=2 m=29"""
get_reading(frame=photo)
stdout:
h=4 m=16
